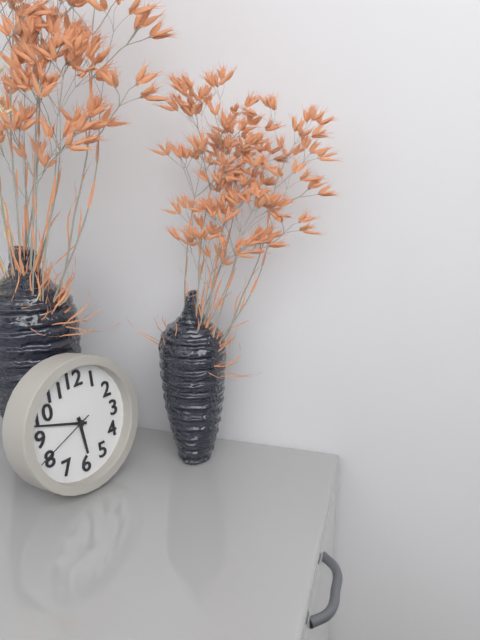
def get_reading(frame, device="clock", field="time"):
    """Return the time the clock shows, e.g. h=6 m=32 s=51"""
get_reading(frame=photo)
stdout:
h=5 m=48 s=41
